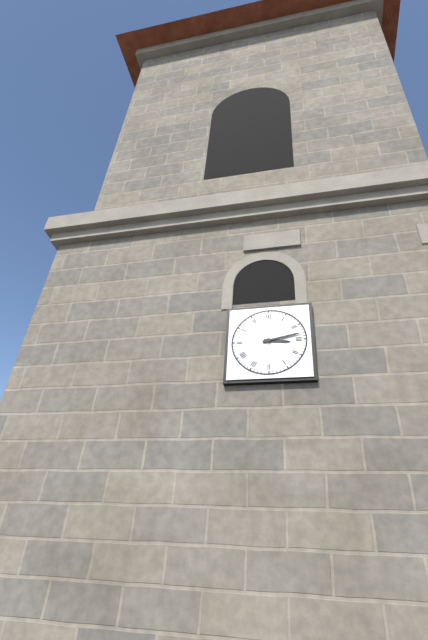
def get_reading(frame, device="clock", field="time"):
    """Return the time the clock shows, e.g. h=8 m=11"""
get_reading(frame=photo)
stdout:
h=3 m=13
